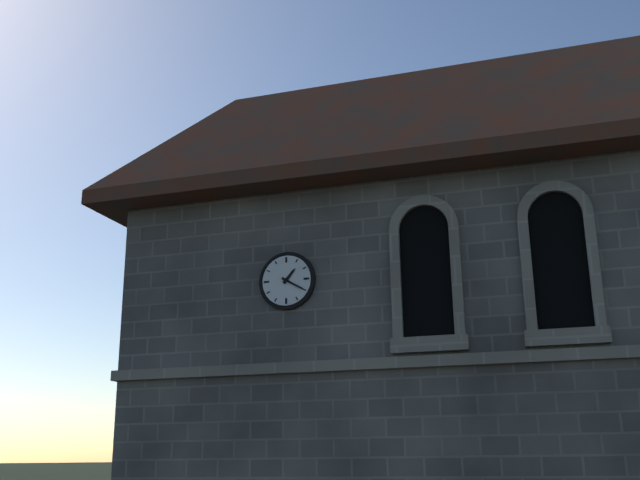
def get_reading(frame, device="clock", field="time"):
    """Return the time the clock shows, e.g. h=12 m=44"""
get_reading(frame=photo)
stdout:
h=1 m=20
